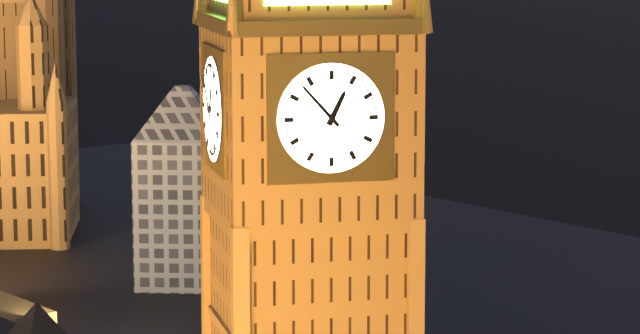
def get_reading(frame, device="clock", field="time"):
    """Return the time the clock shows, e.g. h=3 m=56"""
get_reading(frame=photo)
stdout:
h=12 m=53
